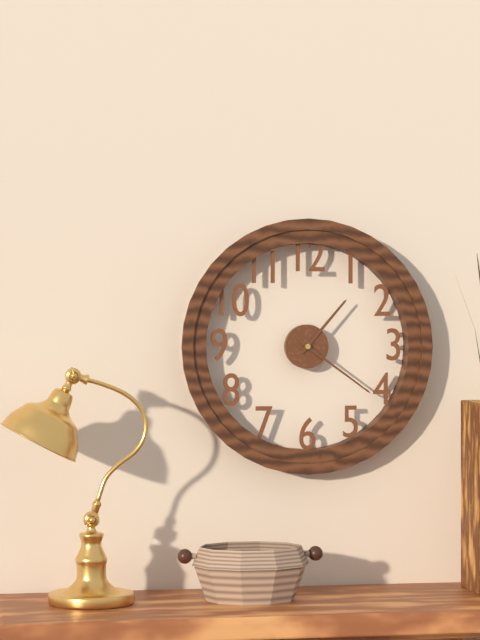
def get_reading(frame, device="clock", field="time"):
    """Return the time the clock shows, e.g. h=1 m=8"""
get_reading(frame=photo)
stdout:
h=1 m=21
